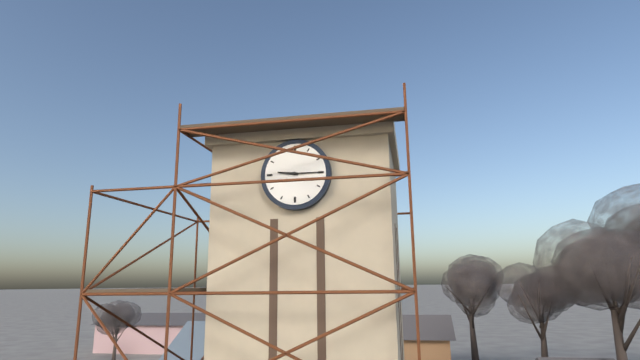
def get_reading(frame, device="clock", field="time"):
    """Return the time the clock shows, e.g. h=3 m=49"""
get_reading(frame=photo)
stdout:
h=9 m=15
